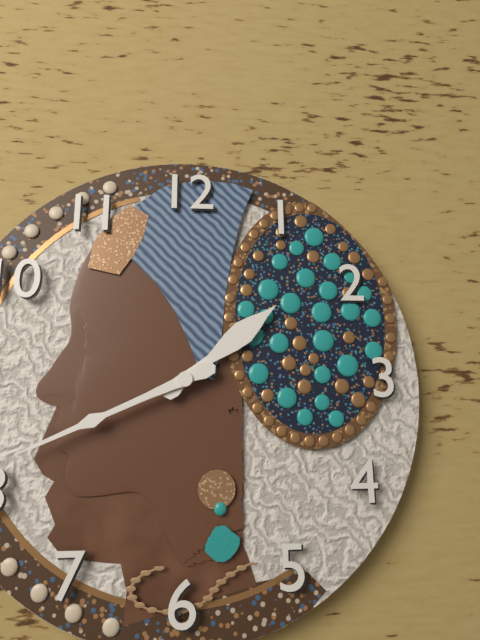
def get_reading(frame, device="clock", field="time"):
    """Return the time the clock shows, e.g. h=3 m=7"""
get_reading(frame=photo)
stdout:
h=1 m=41
